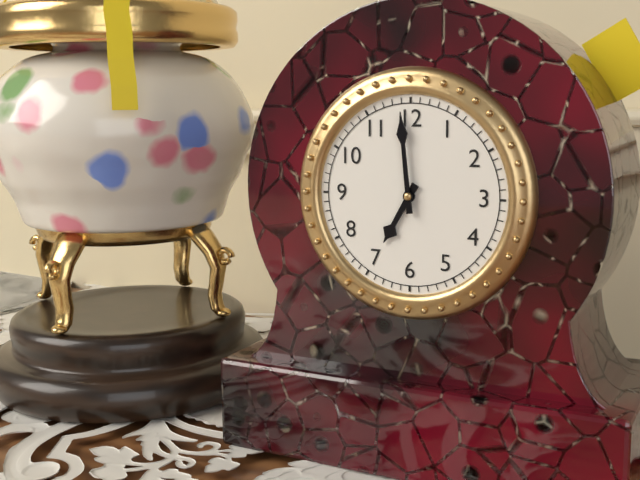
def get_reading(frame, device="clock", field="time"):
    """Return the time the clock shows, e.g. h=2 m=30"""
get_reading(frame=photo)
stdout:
h=6 m=59
